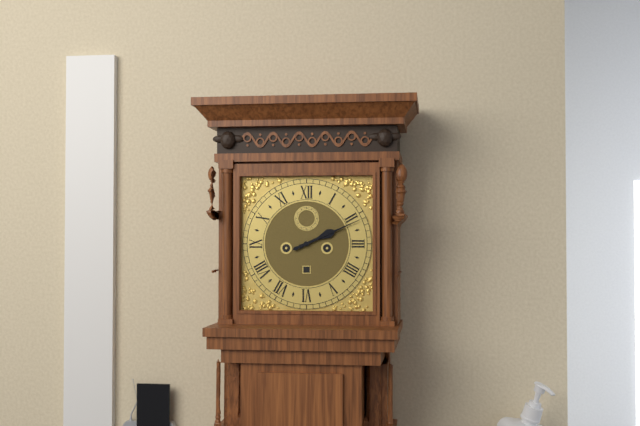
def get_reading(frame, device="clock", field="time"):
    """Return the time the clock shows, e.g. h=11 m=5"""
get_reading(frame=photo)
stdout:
h=2 m=11
